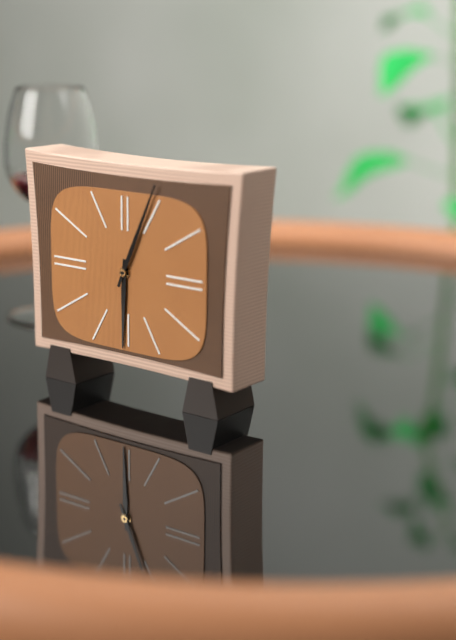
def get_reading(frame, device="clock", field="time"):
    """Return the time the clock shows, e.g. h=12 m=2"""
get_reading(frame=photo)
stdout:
h=6 m=4
